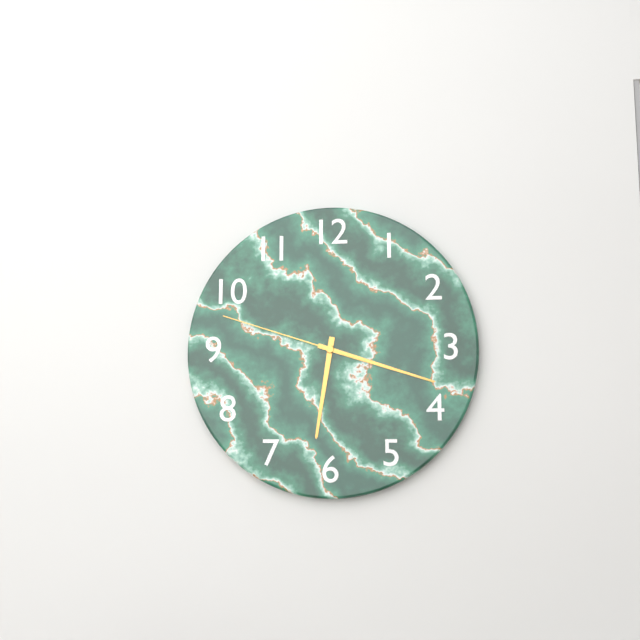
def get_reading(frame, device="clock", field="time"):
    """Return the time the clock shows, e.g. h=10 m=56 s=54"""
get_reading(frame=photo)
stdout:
h=6 m=18 s=48
